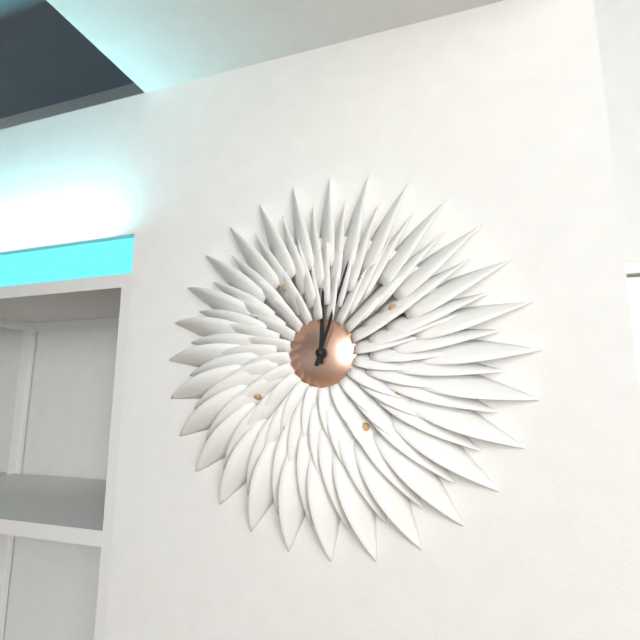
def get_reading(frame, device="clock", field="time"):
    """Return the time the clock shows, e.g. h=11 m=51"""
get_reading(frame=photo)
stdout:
h=12 m=3
